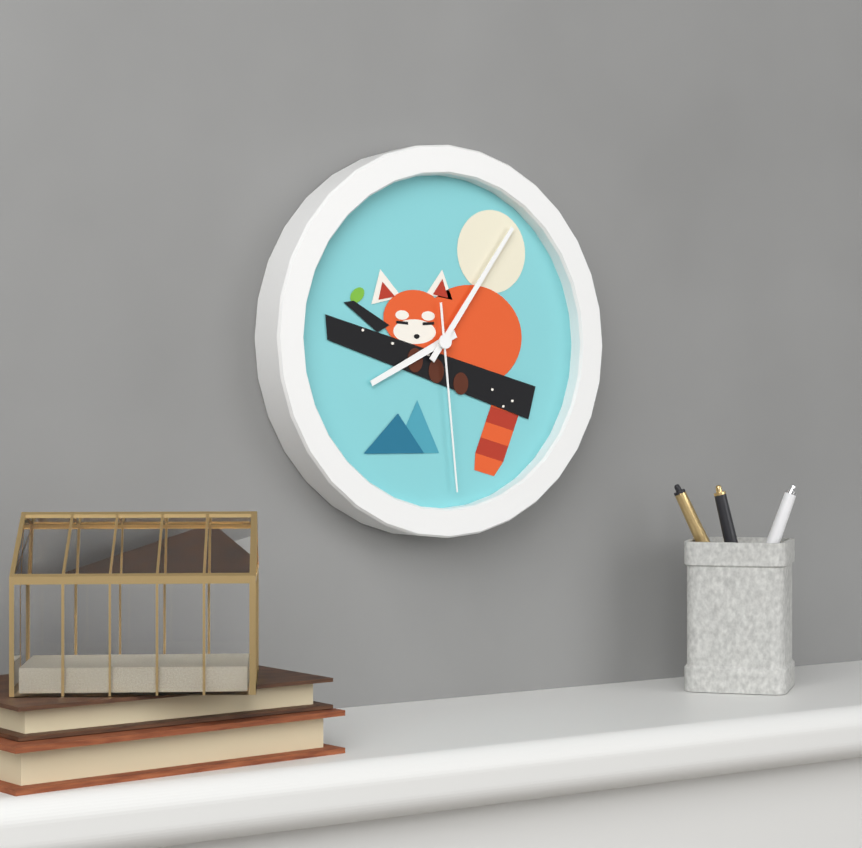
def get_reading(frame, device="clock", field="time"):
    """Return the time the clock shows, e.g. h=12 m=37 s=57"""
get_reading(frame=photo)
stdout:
h=8 m=6 s=29
